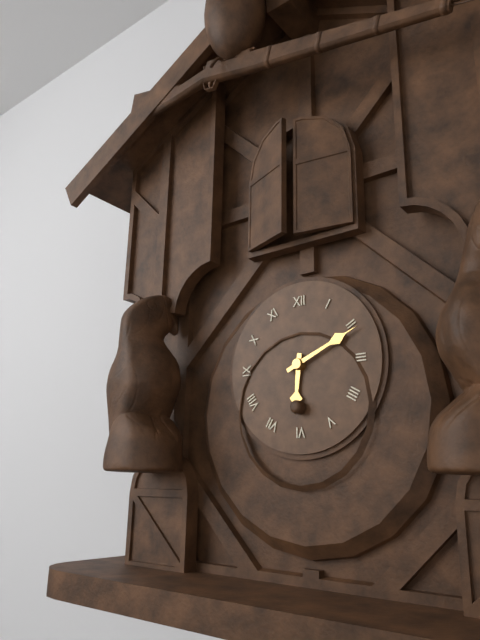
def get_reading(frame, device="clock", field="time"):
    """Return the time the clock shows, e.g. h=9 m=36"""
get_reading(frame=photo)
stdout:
h=6 m=11
